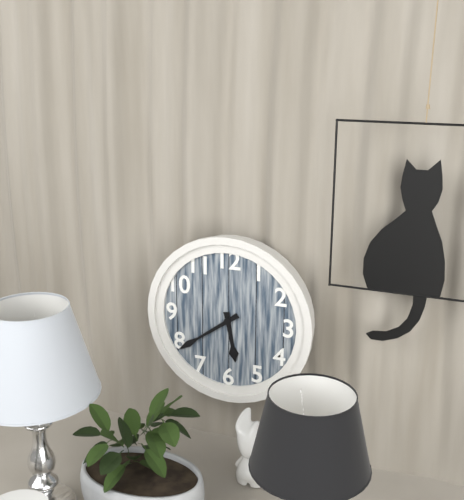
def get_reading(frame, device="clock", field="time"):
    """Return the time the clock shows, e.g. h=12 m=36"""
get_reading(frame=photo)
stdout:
h=5 m=39
